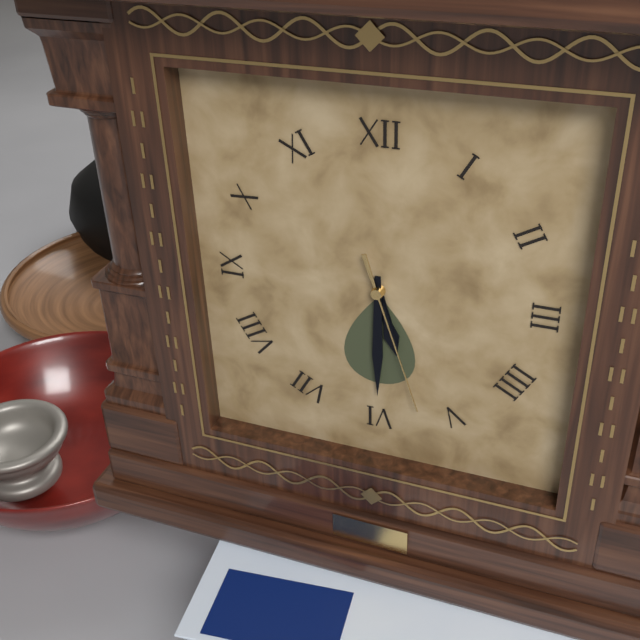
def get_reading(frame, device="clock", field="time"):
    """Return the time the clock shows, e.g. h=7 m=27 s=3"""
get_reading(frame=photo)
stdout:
h=5 m=30 s=27
